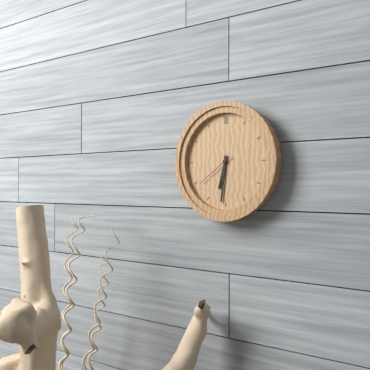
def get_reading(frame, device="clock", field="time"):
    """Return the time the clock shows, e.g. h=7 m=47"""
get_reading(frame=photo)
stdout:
h=6 m=31
